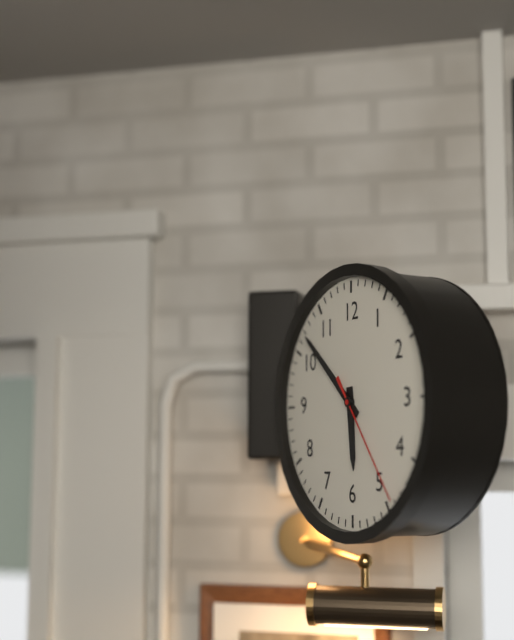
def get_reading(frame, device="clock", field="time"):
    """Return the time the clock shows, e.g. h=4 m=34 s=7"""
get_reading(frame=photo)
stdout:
h=5 m=52 s=24
